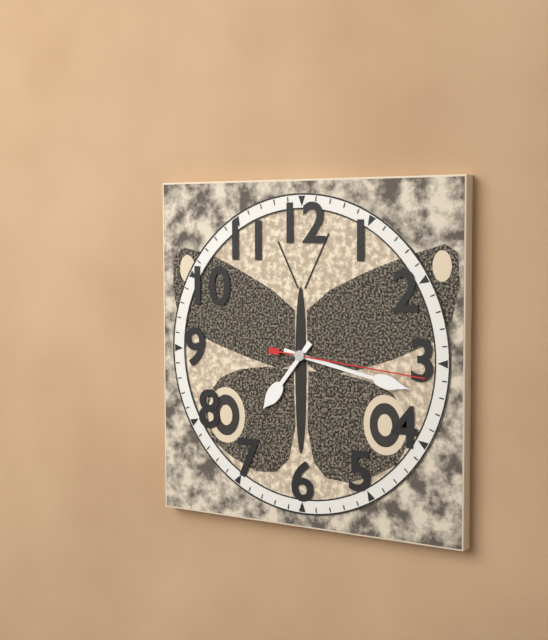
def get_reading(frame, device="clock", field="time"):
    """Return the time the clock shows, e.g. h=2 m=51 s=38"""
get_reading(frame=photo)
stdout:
h=7 m=17 s=16
